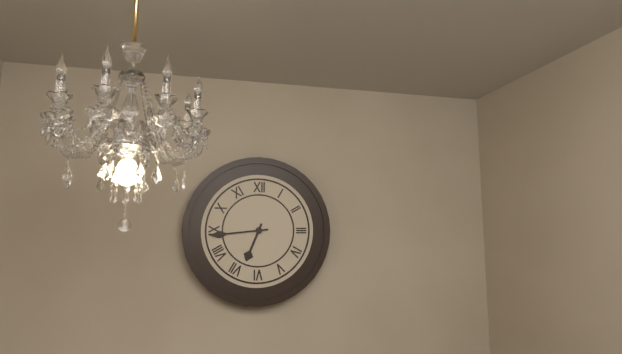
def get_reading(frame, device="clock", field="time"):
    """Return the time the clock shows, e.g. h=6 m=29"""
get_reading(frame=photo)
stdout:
h=6 m=44
